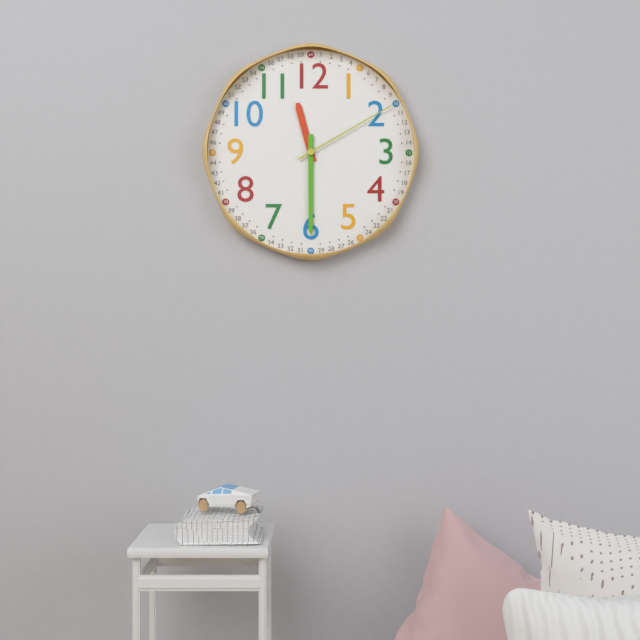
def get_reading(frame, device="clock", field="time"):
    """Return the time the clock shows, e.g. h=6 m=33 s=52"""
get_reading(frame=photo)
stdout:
h=11 m=30 s=10
